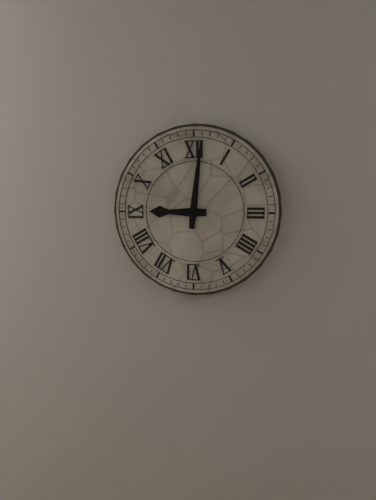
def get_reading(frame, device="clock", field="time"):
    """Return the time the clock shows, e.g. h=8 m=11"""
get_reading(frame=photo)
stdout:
h=9 m=1
